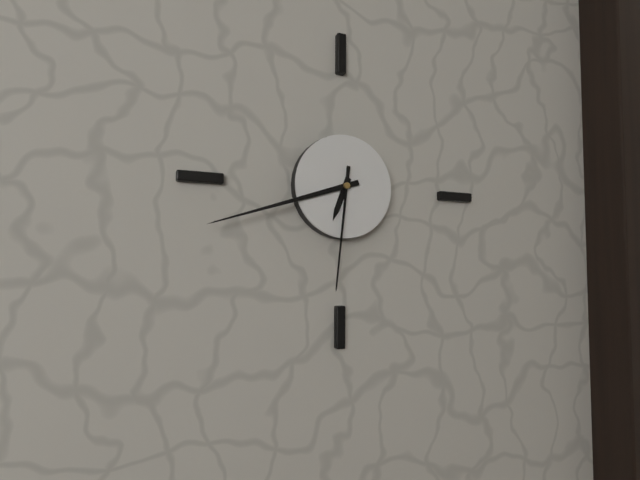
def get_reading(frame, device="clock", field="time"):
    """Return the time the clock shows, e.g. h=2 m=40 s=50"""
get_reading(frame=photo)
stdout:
h=6 m=42 s=31
